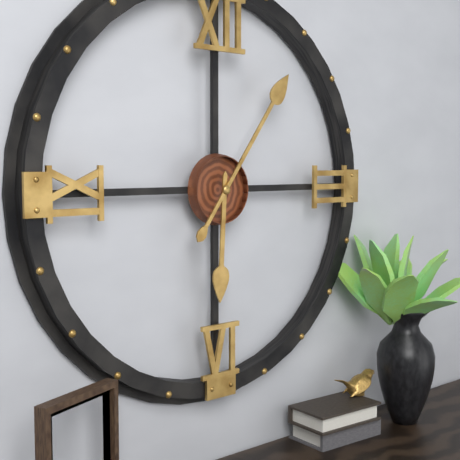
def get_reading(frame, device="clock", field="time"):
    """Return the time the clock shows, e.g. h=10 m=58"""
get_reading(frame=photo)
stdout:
h=6 m=6
